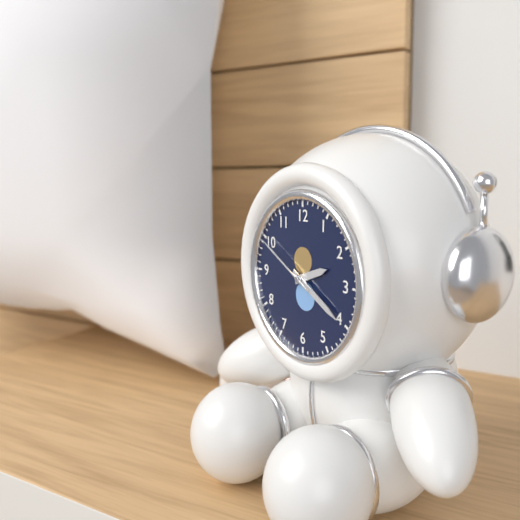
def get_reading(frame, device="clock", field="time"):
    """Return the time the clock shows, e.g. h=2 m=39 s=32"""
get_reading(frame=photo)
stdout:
h=2 m=20 s=50
